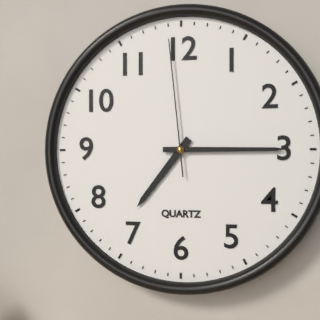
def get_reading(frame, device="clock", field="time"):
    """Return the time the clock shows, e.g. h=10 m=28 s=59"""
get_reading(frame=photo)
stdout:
h=7 m=15 s=59
